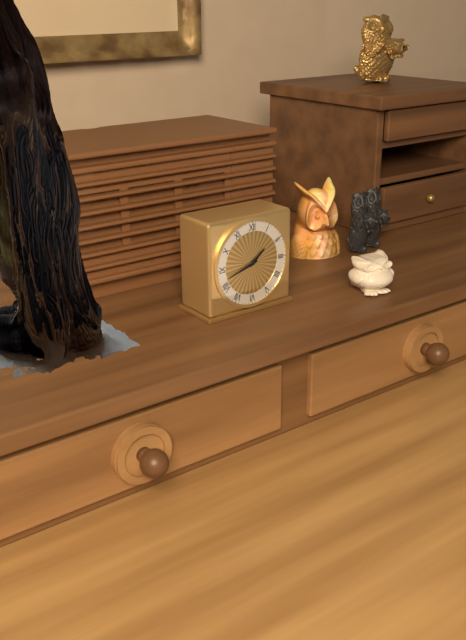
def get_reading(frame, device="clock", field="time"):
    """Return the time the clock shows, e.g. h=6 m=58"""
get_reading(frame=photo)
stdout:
h=1 m=42
